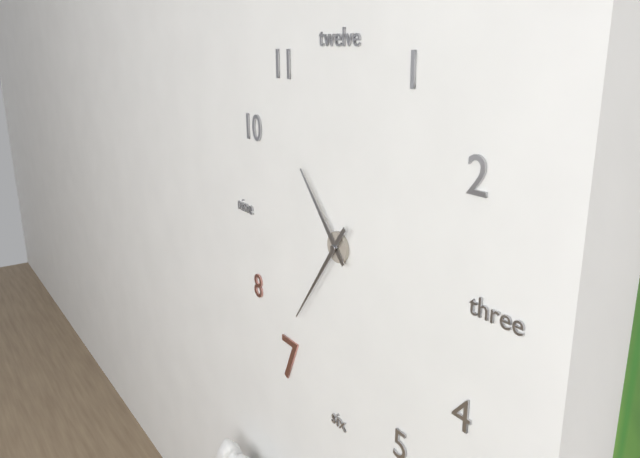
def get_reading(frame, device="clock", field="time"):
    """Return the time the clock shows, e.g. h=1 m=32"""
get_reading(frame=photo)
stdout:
h=10 m=36
